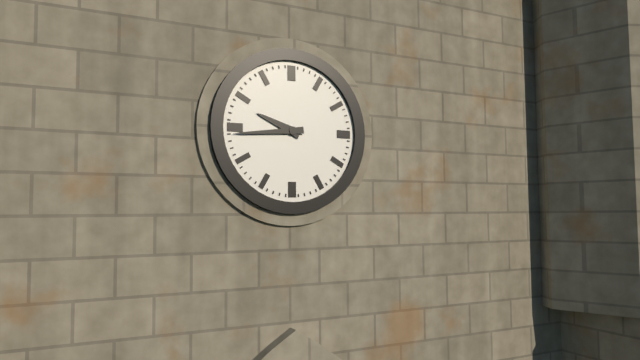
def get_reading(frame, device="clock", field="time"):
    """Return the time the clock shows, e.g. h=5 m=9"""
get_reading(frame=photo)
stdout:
h=9 m=44
